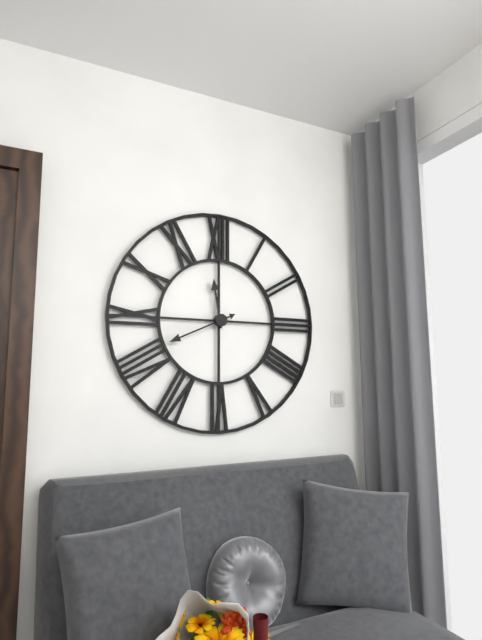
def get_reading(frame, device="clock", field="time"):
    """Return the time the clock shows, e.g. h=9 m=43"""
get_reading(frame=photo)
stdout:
h=11 m=41
